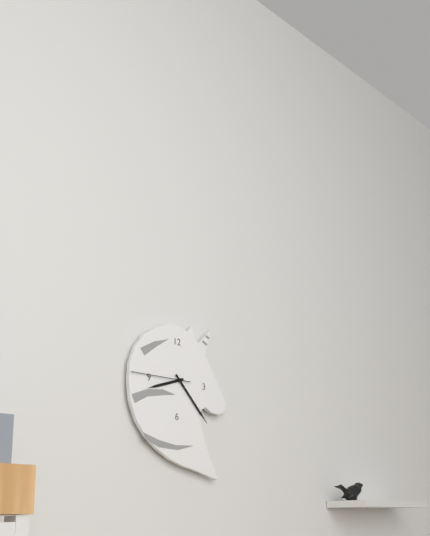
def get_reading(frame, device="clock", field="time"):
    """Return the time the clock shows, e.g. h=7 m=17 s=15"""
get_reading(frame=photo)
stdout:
h=8 m=23 s=45
